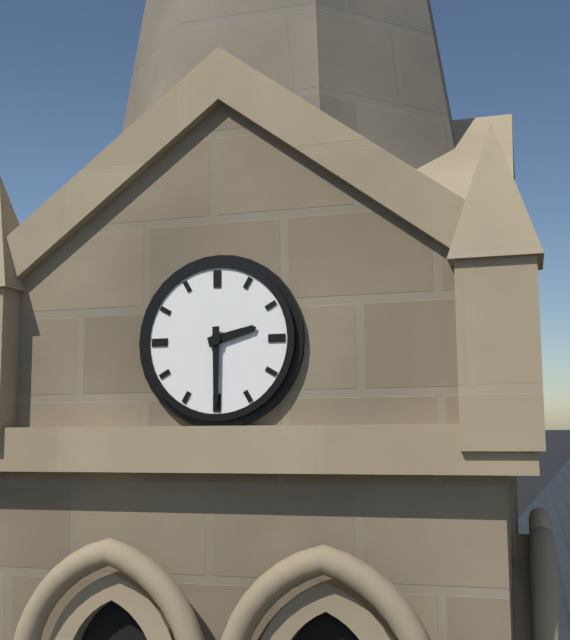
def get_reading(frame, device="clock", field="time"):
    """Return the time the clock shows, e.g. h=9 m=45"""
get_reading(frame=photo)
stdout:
h=2 m=30
